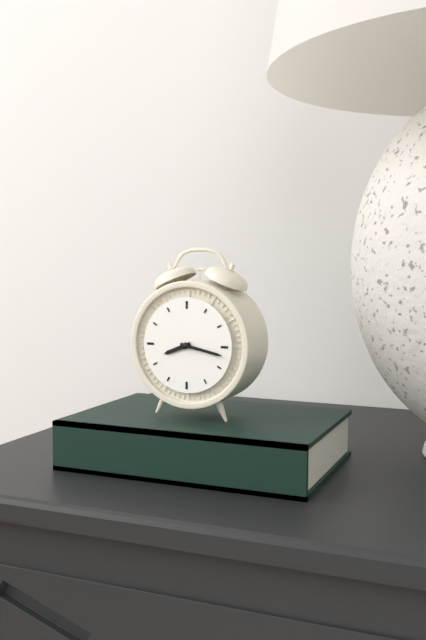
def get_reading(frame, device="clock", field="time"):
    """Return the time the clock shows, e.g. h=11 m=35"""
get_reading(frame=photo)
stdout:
h=8 m=17
